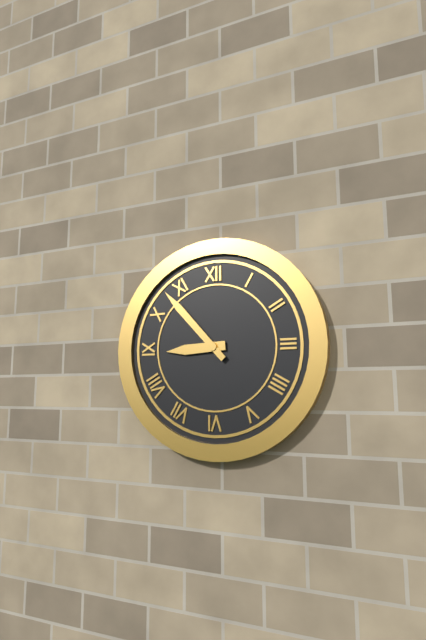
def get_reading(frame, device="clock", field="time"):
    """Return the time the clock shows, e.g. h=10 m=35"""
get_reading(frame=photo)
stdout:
h=8 m=53
